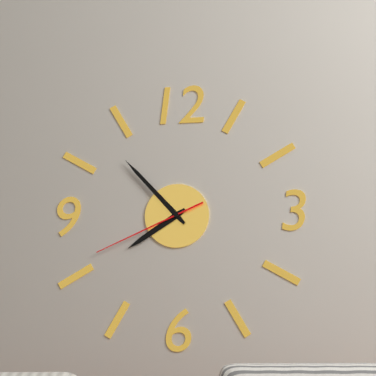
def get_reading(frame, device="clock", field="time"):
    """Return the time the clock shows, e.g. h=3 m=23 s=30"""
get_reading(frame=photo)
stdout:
h=7 m=53 s=41
